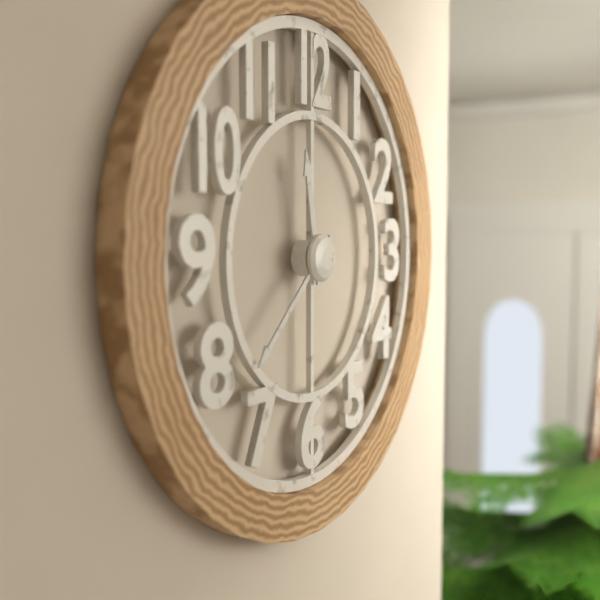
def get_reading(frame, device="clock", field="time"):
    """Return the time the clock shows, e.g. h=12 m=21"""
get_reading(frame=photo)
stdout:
h=11 m=38
